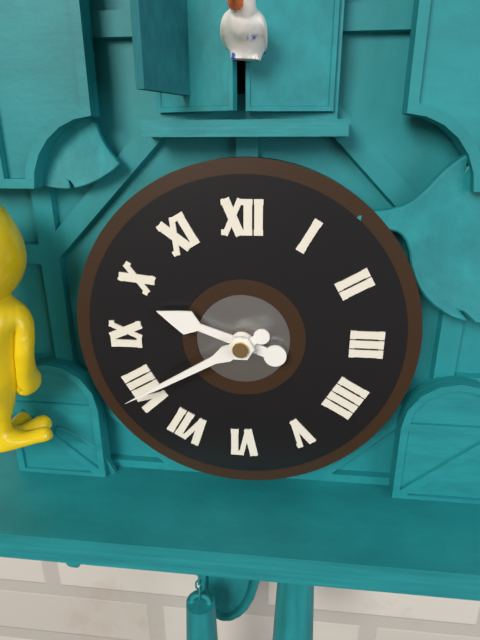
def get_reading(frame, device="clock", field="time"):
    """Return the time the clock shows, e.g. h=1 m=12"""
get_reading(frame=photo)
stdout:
h=9 m=40
